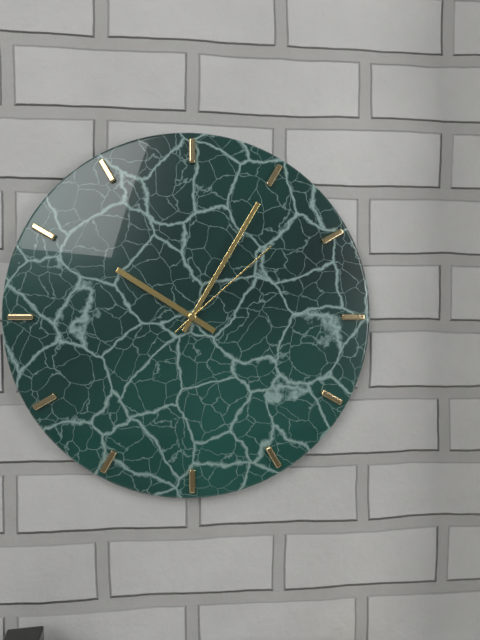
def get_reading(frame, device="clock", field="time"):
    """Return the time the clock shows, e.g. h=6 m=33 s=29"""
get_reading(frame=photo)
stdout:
h=10 m=5 s=8
